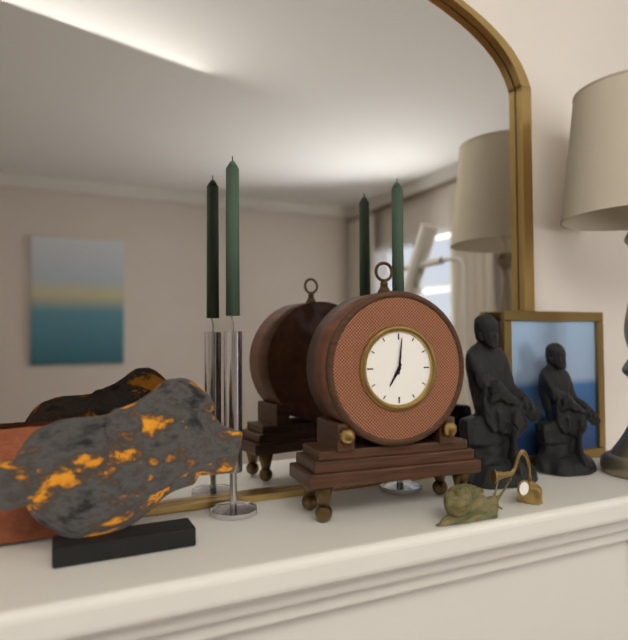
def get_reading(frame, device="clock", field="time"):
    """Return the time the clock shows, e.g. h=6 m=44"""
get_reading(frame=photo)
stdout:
h=7 m=1
